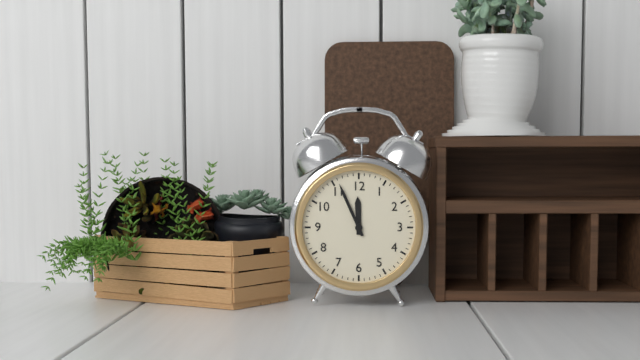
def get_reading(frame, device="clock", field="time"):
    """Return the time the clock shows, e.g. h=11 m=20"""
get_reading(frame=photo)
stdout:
h=11 m=56
